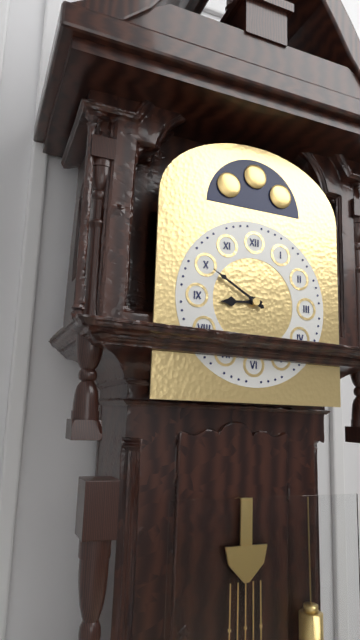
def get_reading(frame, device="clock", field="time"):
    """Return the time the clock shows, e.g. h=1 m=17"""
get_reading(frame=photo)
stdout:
h=8 m=50
